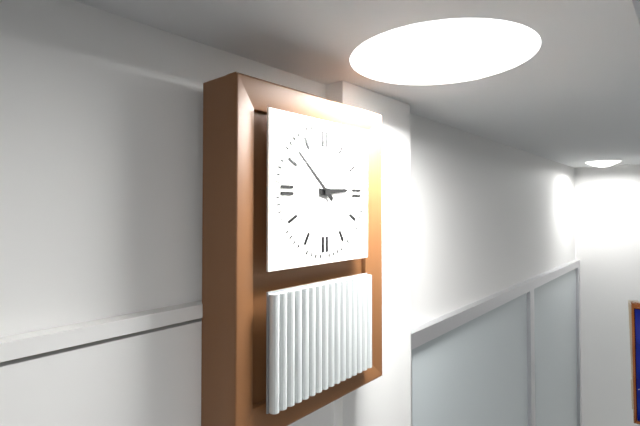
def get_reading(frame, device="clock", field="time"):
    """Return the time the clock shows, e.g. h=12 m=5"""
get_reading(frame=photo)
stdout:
h=2 m=52
